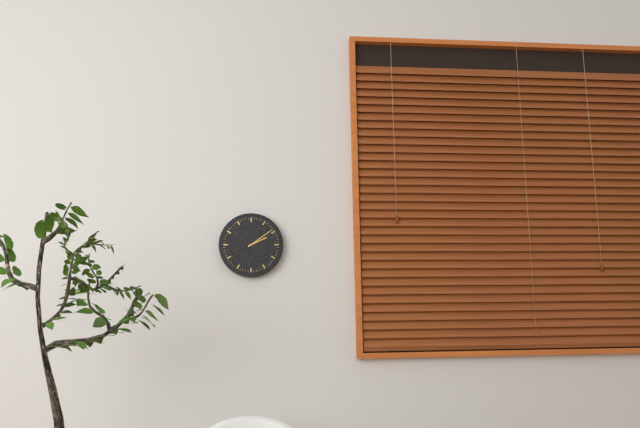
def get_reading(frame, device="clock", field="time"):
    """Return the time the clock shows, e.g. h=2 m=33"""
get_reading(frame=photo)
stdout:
h=2 m=9
